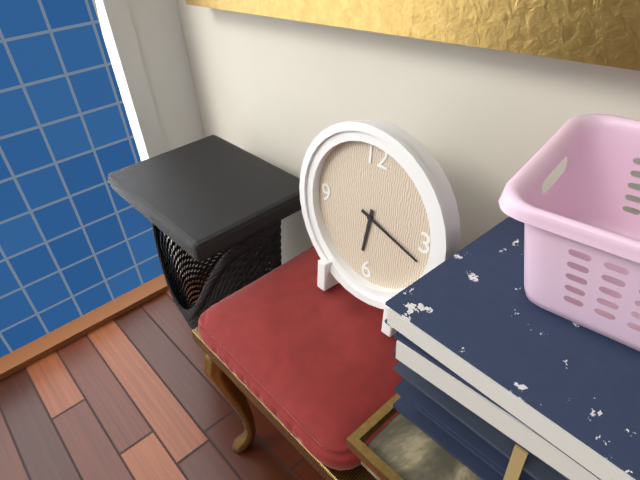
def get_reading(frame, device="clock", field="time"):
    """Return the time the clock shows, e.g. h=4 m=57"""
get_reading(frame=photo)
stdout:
h=6 m=18
